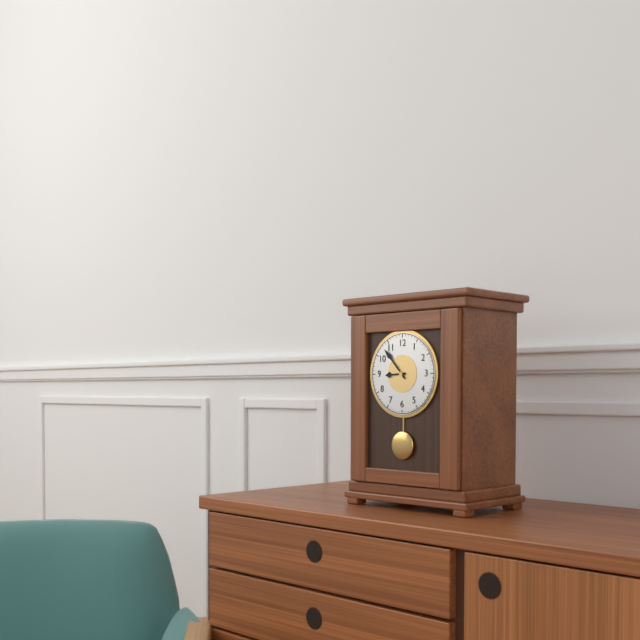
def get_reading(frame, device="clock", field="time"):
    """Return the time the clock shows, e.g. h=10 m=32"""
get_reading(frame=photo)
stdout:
h=8 m=53
